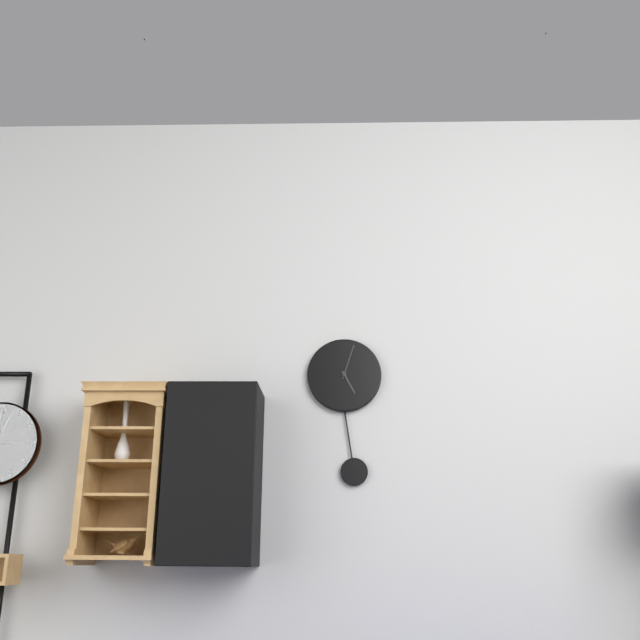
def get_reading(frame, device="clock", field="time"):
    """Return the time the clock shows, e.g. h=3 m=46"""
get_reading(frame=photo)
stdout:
h=5 m=3
